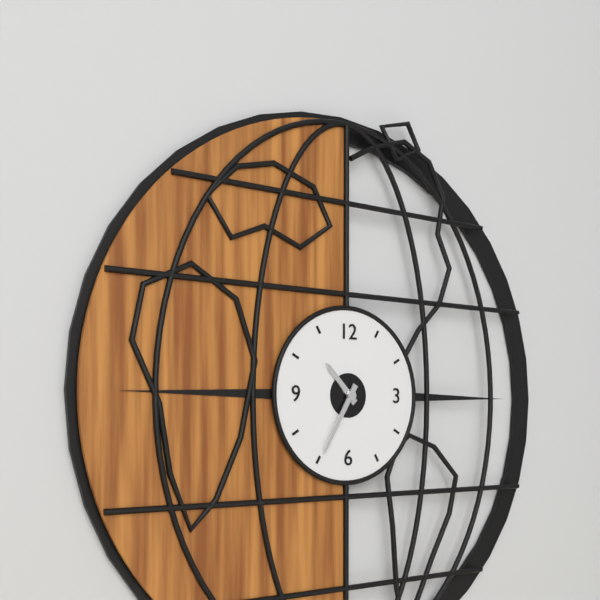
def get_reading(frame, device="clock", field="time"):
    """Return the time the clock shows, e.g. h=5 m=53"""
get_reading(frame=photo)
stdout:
h=10 m=35
